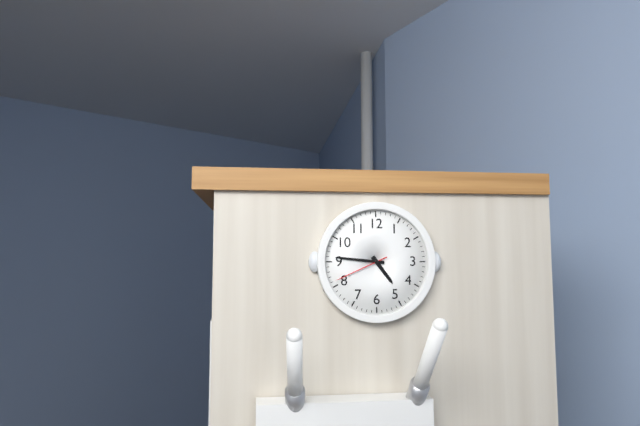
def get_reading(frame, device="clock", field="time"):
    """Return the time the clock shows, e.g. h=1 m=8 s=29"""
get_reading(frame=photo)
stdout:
h=4 m=46 s=41
